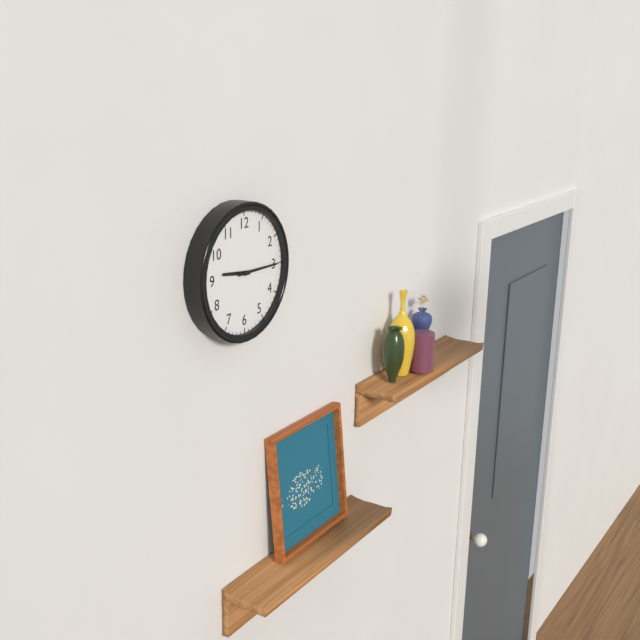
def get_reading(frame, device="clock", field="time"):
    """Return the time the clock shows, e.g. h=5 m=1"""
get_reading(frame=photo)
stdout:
h=9 m=15
